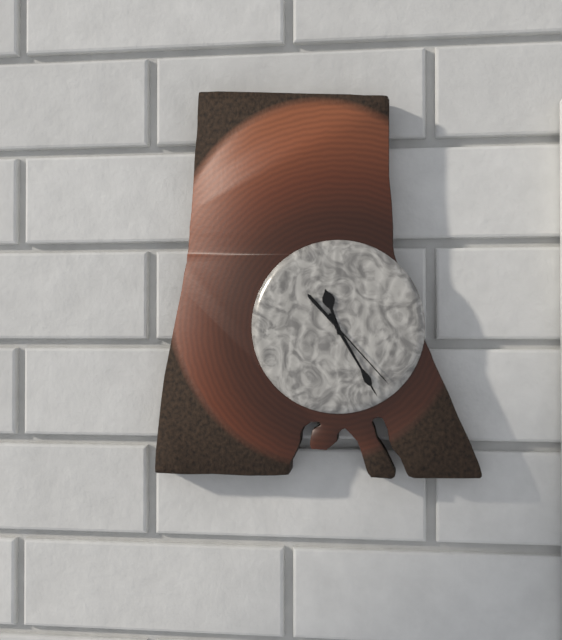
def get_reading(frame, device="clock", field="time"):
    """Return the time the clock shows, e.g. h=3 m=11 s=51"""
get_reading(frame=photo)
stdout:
h=11 m=25 s=23
